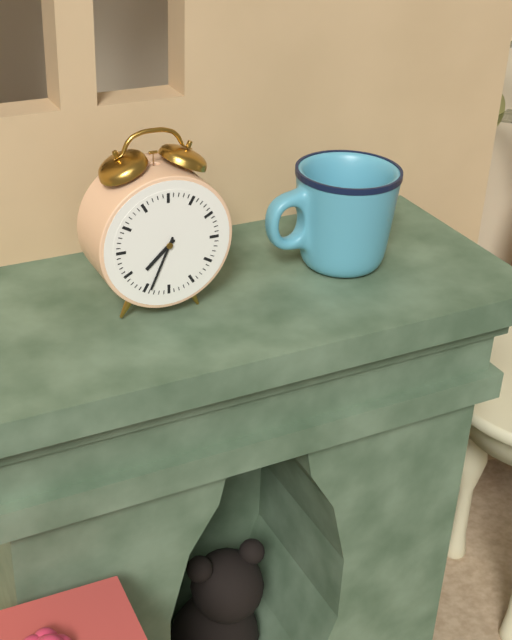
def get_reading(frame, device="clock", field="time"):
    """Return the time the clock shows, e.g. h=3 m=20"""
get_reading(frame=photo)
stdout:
h=7 m=34
